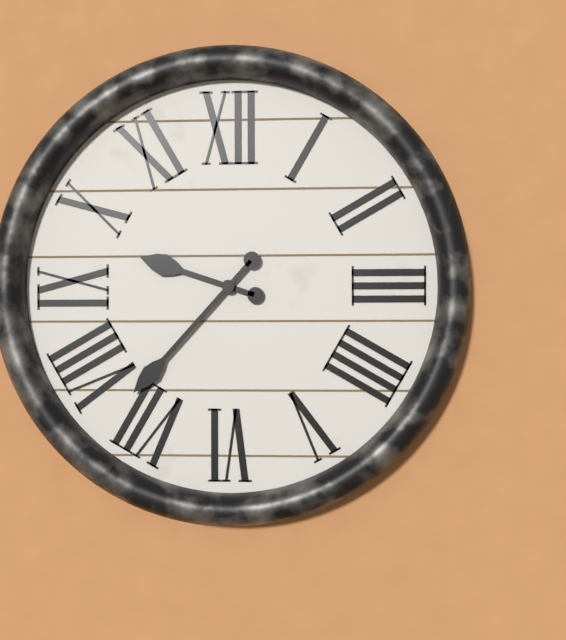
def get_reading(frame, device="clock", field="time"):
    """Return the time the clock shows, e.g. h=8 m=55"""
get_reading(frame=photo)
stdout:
h=9 m=37
